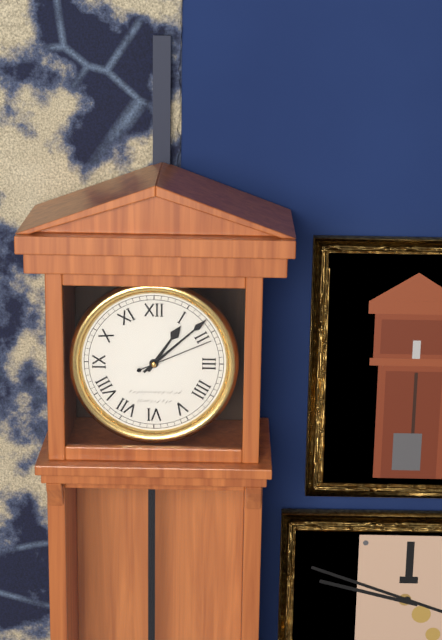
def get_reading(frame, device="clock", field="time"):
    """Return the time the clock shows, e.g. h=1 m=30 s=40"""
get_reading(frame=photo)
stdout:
h=1 m=8 s=11
